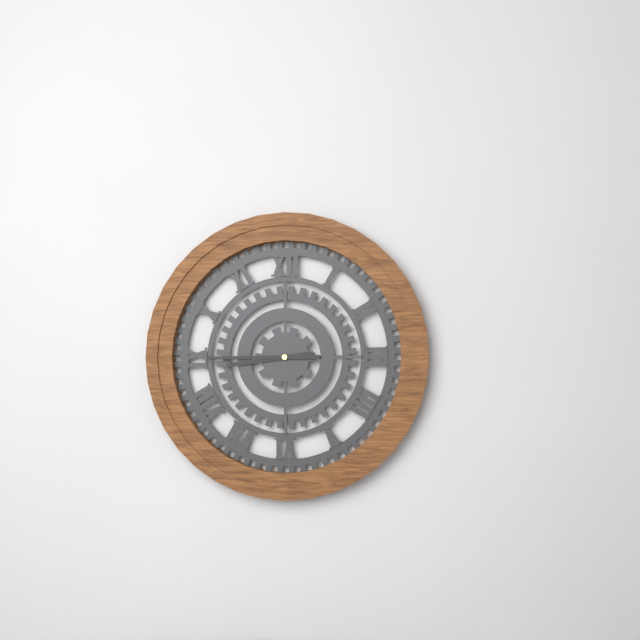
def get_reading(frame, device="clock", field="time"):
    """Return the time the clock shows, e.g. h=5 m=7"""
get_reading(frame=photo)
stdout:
h=8 m=45
